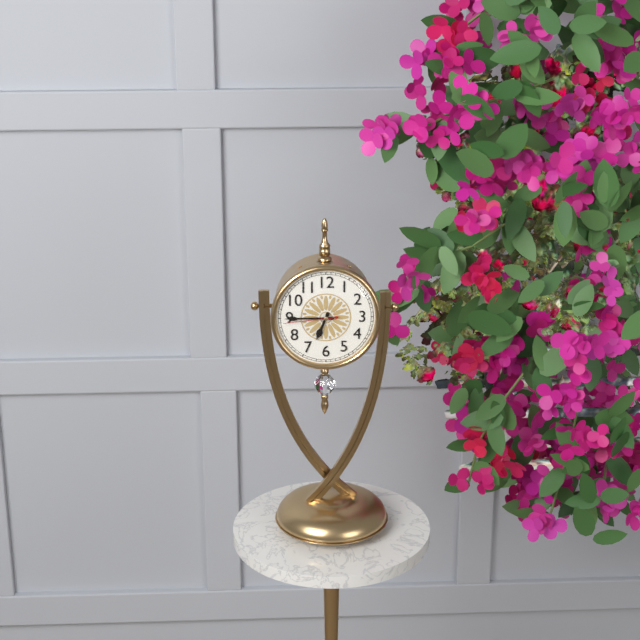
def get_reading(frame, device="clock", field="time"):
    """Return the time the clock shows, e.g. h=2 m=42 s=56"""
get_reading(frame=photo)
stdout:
h=6 m=45 s=44
